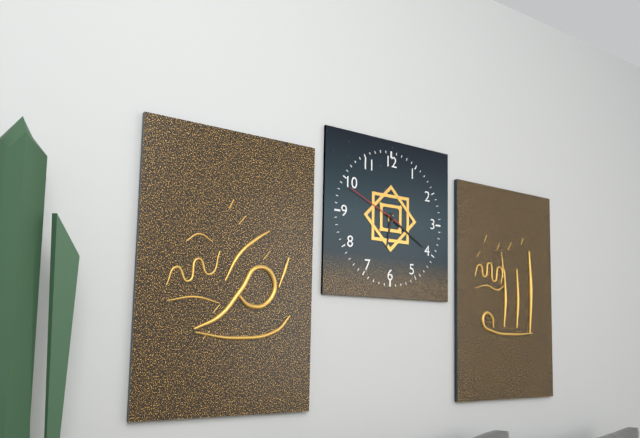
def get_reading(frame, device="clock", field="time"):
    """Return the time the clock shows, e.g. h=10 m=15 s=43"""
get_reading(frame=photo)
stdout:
h=6 m=20 s=49
